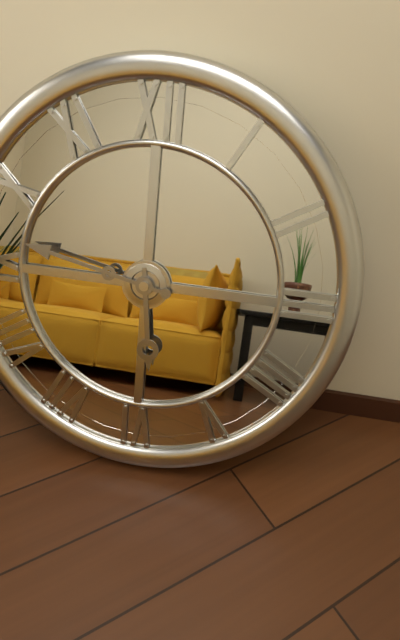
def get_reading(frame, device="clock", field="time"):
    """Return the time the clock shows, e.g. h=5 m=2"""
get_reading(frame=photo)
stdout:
h=5 m=47
